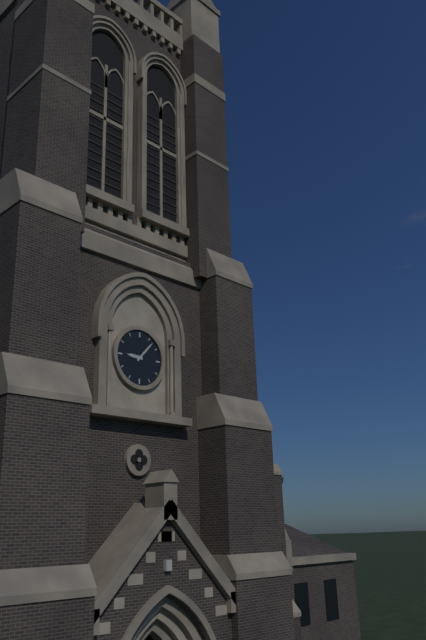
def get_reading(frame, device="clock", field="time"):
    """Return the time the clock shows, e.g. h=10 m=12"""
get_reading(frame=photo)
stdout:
h=9 m=7
